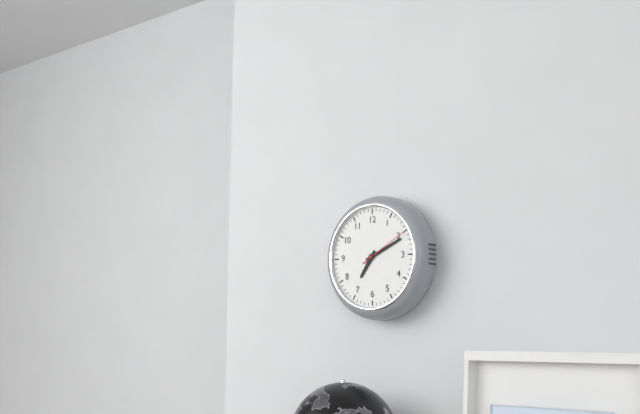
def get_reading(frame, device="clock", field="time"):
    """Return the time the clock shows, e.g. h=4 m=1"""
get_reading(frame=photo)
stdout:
h=7 m=11
